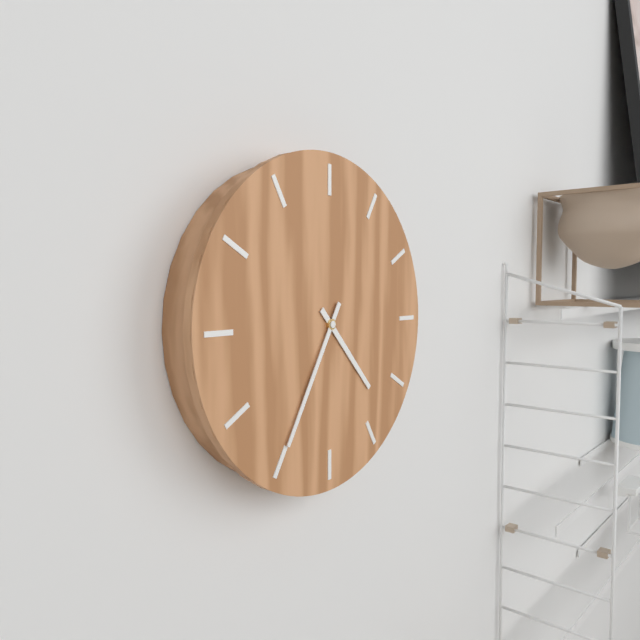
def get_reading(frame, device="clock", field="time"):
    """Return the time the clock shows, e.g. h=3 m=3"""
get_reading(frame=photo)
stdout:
h=4 m=35
